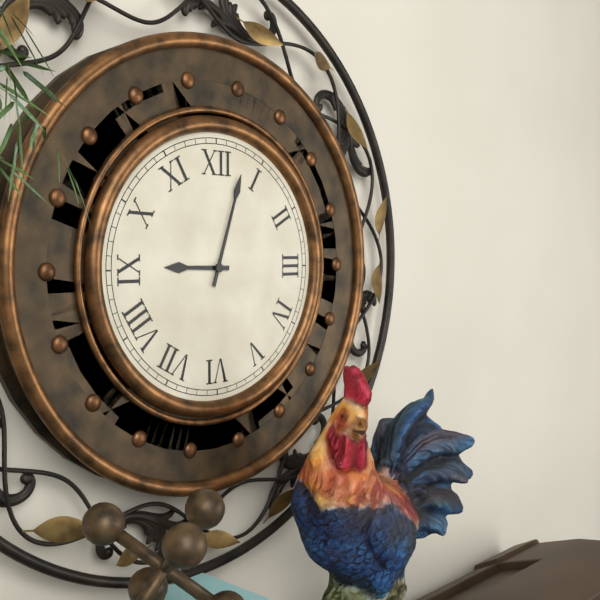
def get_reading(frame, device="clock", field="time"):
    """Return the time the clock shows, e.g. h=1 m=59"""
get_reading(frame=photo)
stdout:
h=9 m=3
